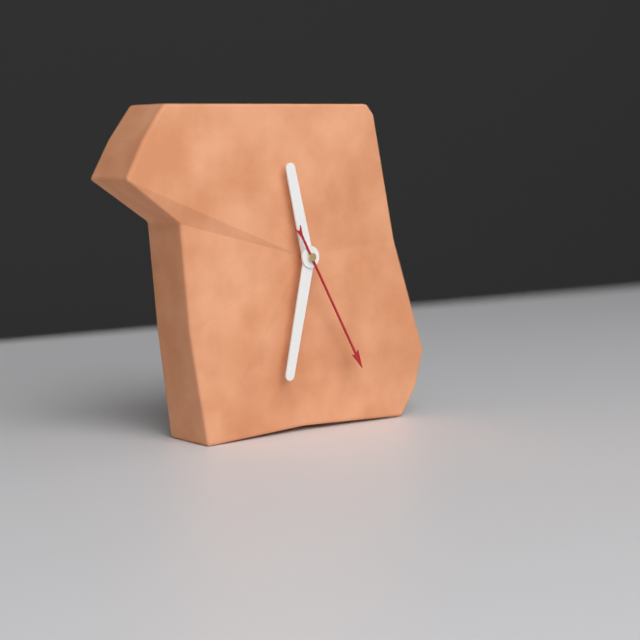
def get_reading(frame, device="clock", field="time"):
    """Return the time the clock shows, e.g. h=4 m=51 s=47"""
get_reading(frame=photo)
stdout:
h=11 m=32 s=25
